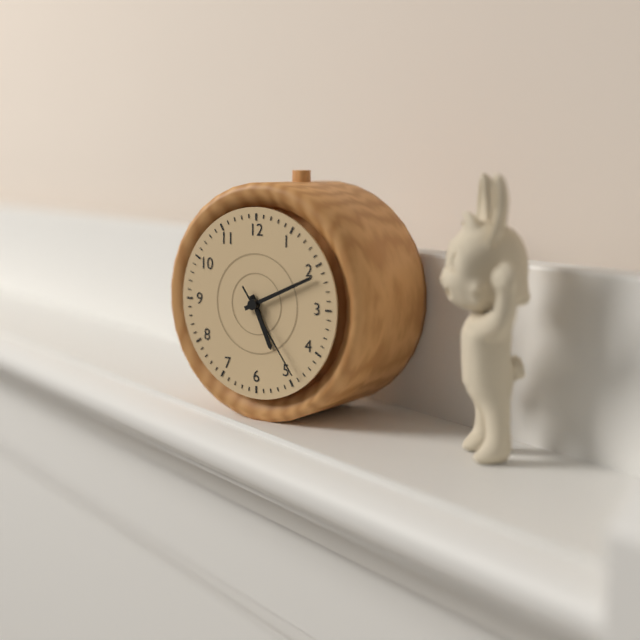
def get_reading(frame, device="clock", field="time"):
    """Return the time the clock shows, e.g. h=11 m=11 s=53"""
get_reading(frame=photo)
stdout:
h=5 m=11 s=24
